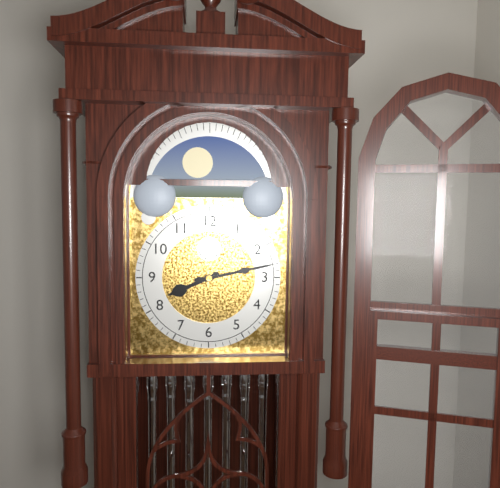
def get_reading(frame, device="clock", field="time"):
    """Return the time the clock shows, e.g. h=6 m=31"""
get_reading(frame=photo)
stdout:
h=8 m=13
